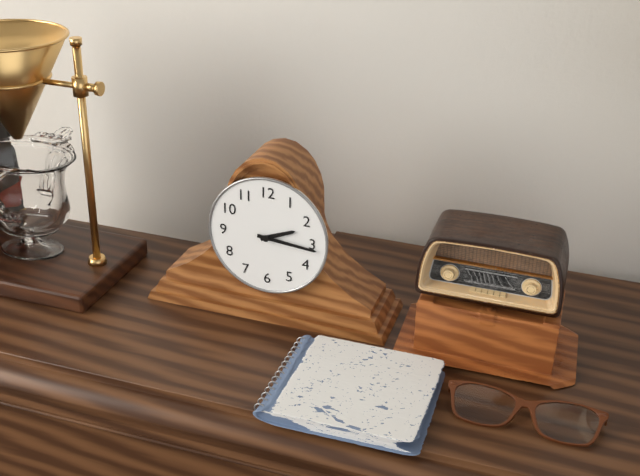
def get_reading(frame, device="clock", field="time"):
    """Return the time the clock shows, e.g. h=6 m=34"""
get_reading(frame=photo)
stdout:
h=2 m=16
